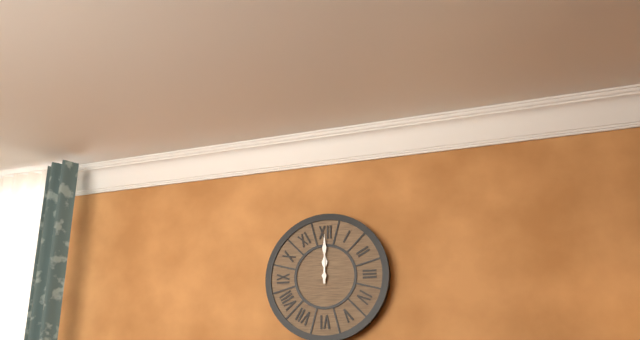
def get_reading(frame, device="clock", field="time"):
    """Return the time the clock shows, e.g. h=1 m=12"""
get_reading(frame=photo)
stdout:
h=12 m=0
